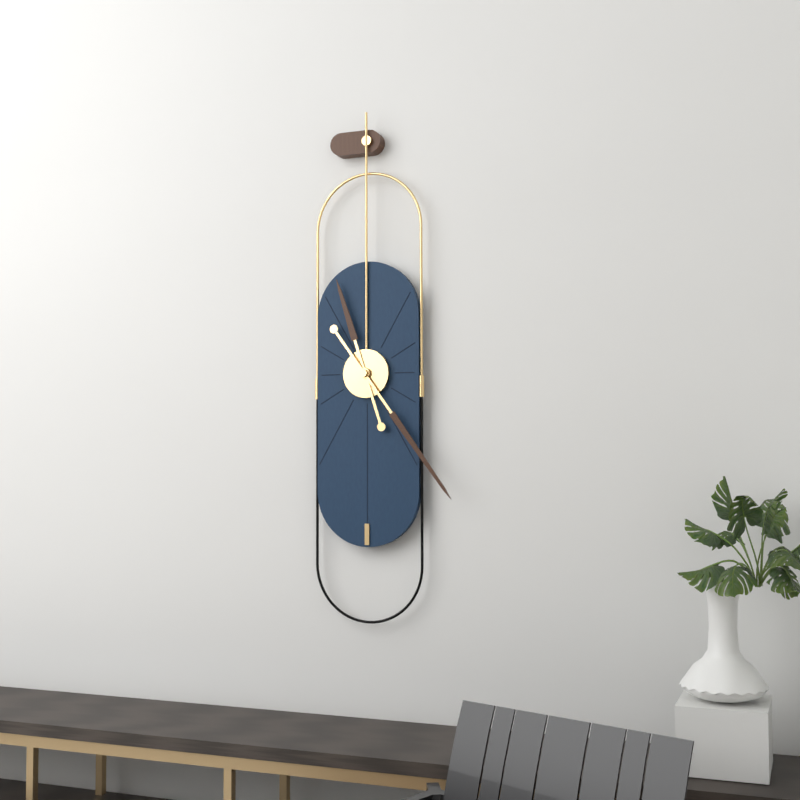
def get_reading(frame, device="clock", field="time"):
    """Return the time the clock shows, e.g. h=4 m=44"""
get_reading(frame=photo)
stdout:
h=11 m=24
